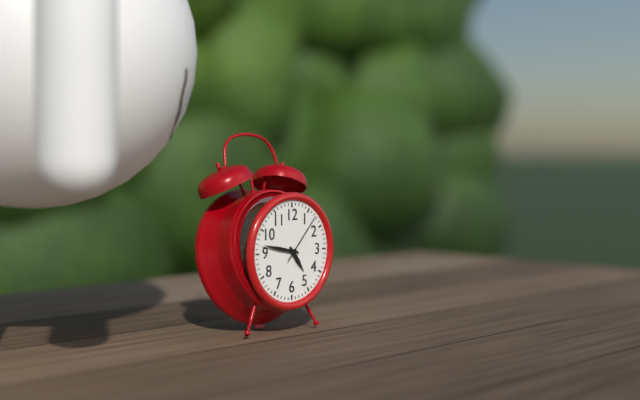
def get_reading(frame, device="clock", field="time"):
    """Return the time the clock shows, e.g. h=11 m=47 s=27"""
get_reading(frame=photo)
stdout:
h=4 m=47 s=7
